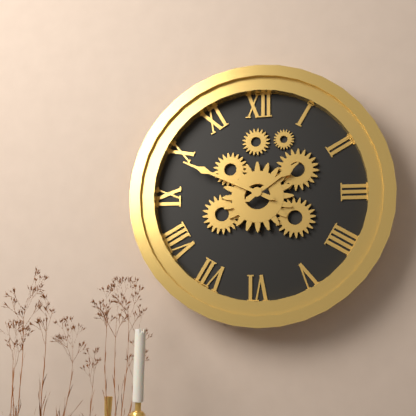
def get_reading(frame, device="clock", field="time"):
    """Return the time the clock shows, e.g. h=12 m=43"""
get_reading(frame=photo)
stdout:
h=1 m=49
